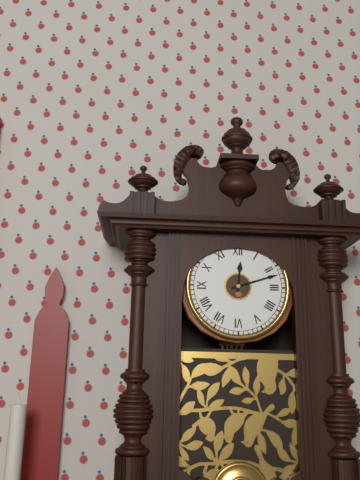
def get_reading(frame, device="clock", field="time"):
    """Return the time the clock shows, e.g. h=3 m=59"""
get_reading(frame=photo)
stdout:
h=12 m=12
